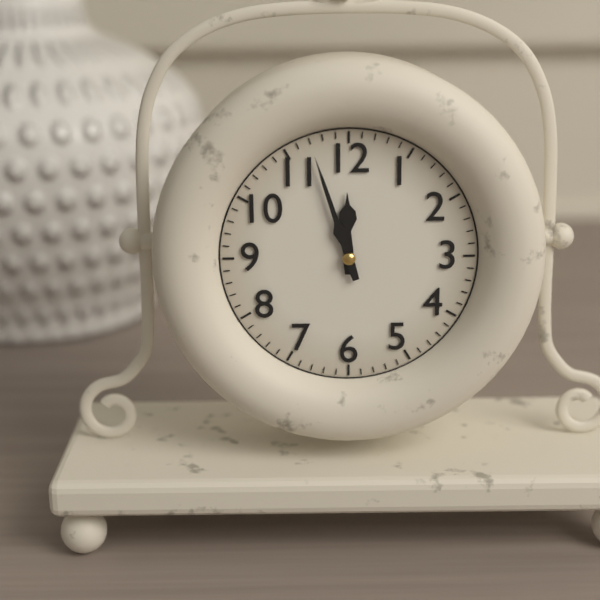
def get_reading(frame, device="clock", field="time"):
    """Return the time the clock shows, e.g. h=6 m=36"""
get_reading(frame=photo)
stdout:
h=11 m=57
